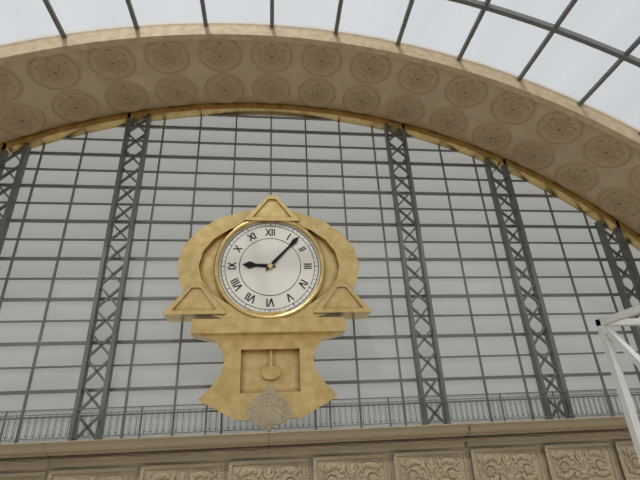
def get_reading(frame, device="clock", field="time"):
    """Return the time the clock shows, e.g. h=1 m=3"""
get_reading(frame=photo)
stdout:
h=9 m=7
